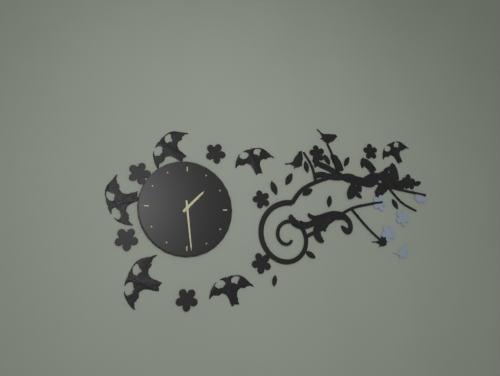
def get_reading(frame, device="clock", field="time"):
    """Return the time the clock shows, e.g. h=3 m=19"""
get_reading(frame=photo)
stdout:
h=1 m=29
